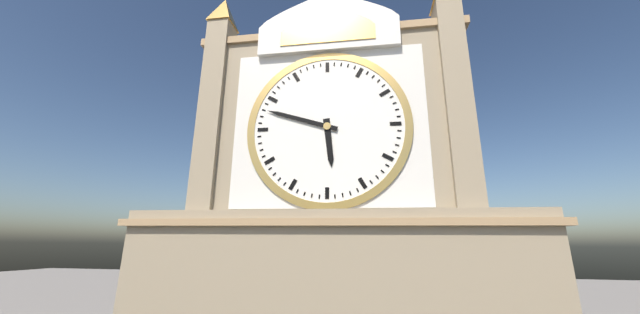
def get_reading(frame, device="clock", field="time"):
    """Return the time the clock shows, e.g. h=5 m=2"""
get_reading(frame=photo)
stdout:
h=5 m=48
